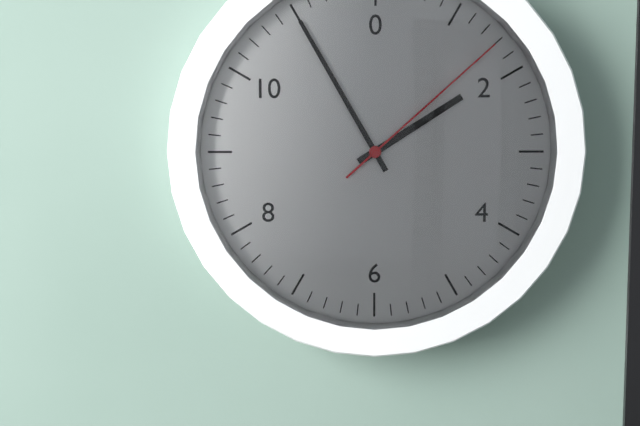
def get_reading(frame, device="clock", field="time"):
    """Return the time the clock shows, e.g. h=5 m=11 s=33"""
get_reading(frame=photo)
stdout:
h=1 m=55 s=8
